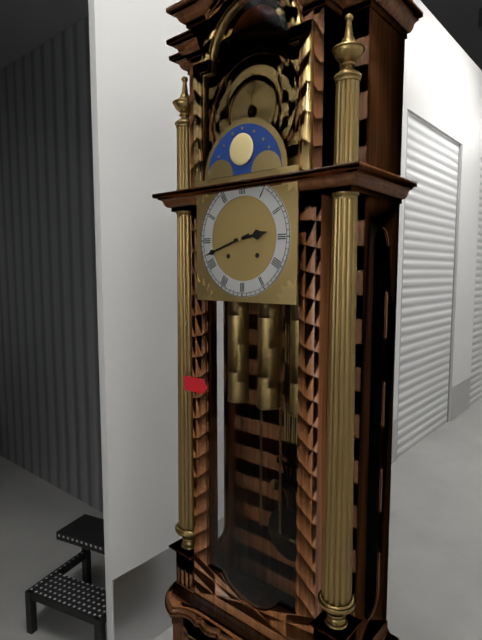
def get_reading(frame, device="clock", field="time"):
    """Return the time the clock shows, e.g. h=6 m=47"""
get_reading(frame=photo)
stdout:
h=2 m=42
